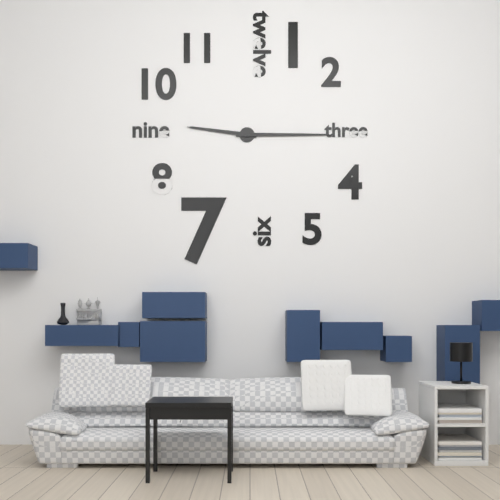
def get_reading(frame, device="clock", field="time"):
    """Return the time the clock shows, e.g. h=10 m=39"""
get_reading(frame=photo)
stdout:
h=9 m=15
